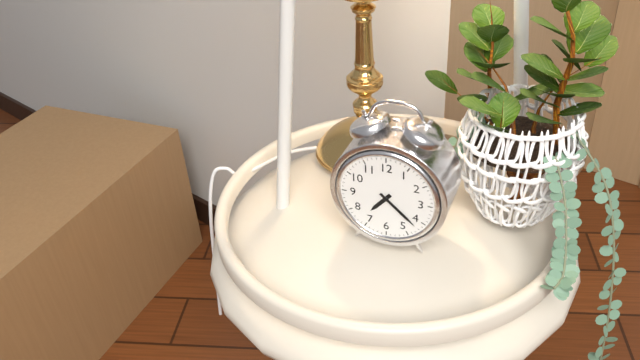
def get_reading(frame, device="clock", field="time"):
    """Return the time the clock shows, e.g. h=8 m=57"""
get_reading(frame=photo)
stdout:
h=7 m=22
